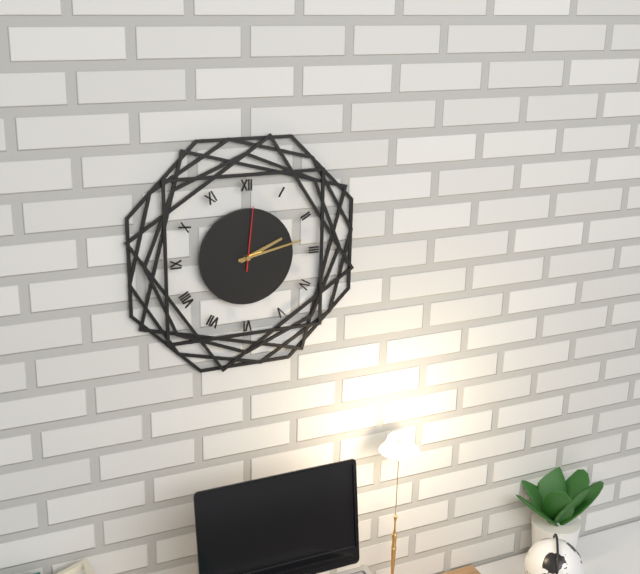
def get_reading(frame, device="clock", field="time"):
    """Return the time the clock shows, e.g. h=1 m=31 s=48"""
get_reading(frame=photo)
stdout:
h=2 m=13 s=1
